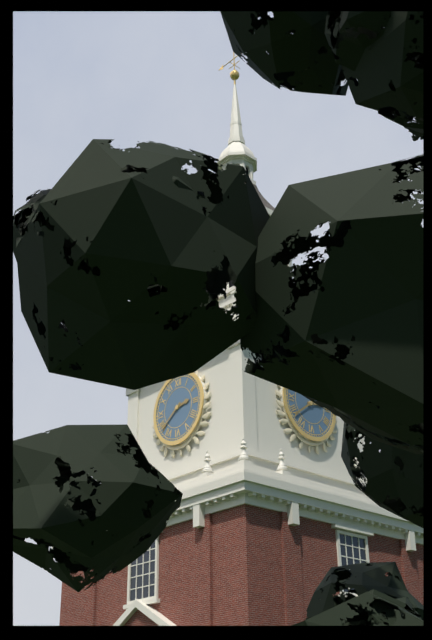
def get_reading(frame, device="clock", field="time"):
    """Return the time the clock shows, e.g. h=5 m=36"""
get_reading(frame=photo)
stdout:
h=2 m=39
